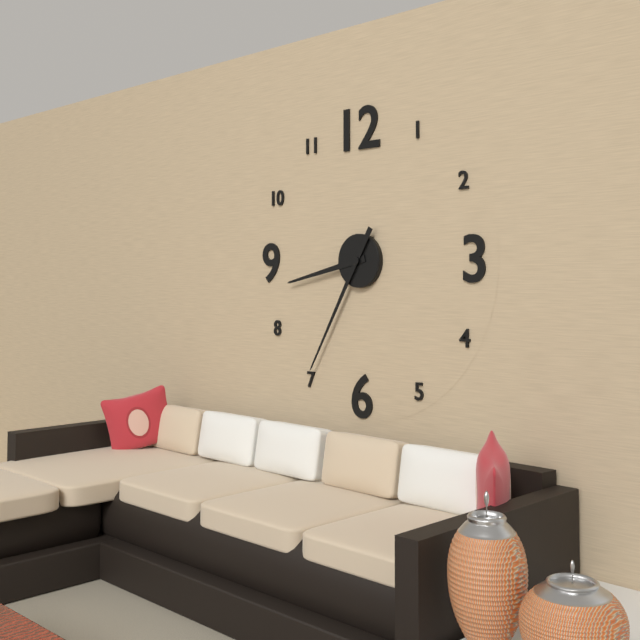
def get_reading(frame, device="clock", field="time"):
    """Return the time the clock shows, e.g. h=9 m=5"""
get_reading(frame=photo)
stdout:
h=8 m=35
